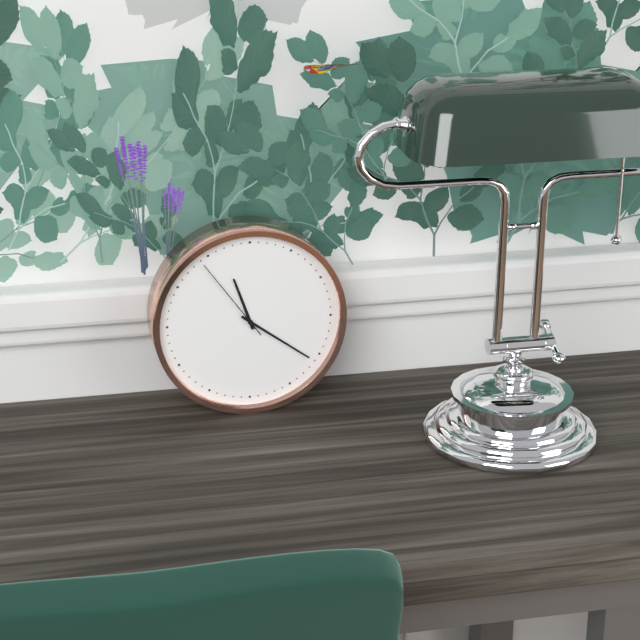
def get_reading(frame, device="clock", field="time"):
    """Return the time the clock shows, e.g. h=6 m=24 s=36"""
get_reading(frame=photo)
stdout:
h=11 m=21 s=54
